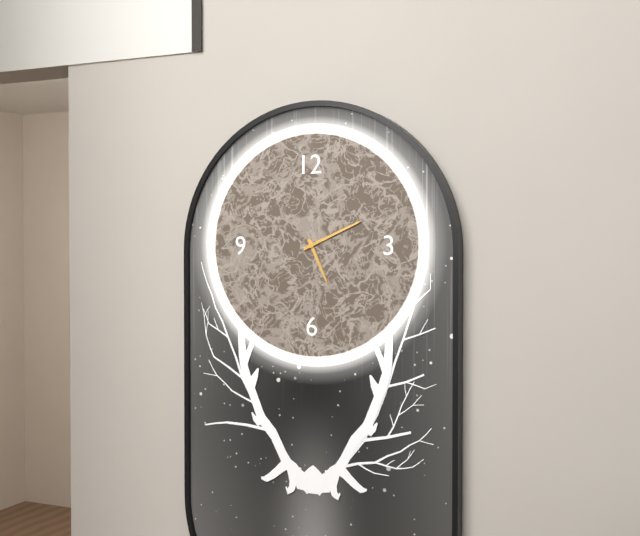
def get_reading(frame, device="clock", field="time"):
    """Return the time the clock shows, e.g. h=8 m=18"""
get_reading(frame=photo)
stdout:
h=5 m=11
